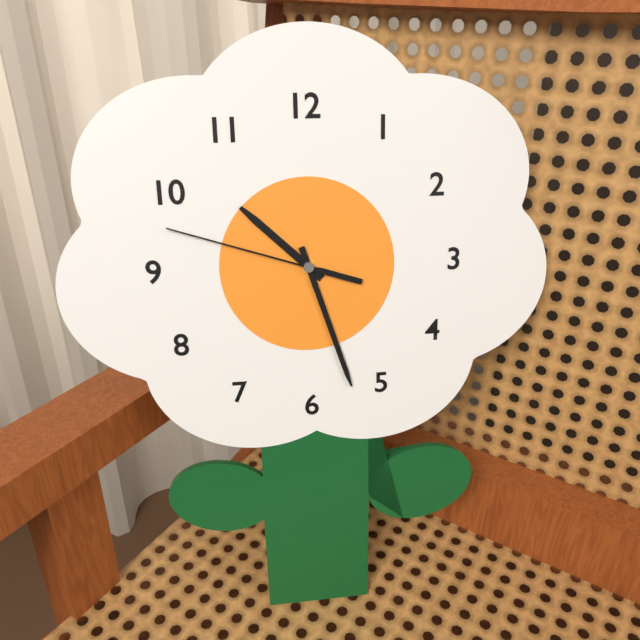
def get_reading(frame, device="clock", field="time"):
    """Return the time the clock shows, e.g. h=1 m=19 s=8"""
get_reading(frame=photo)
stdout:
h=10 m=27 s=48
